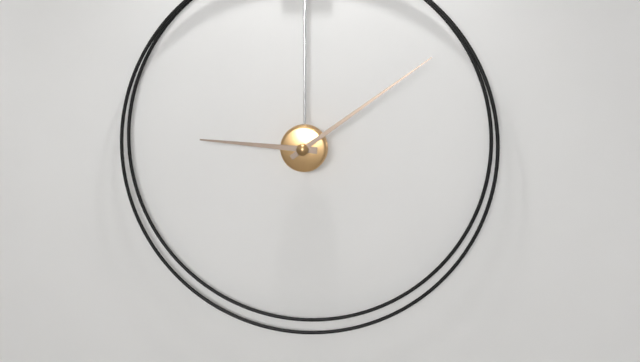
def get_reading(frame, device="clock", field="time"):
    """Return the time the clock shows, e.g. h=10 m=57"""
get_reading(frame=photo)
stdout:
h=9 m=9
